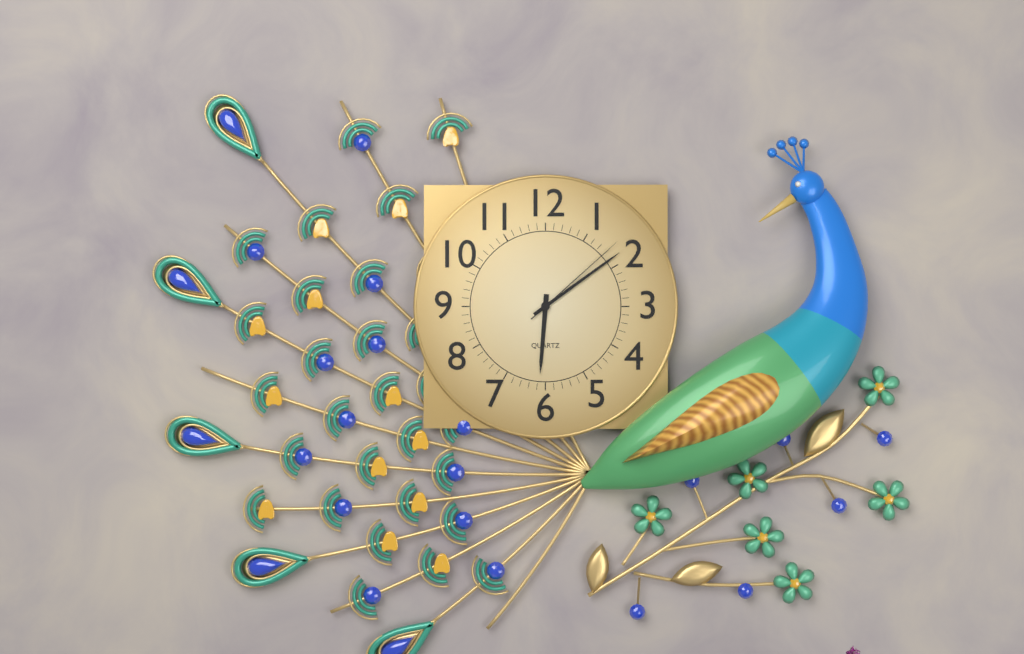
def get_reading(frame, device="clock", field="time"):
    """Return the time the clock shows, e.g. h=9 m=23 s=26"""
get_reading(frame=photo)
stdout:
h=6 m=9 s=8
